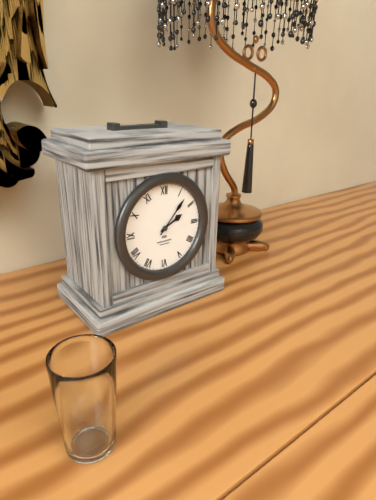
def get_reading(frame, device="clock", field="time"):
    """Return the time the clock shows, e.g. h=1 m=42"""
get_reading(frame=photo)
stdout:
h=2 m=7
